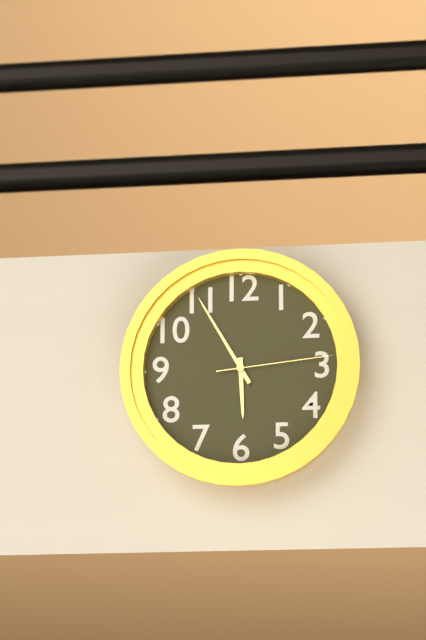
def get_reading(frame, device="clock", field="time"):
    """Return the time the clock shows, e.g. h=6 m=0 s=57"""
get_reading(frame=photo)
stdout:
h=5 m=55 s=14
